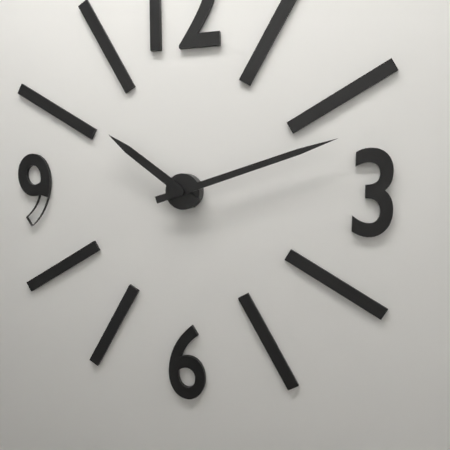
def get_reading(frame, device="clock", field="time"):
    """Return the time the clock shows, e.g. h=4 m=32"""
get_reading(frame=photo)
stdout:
h=10 m=12
